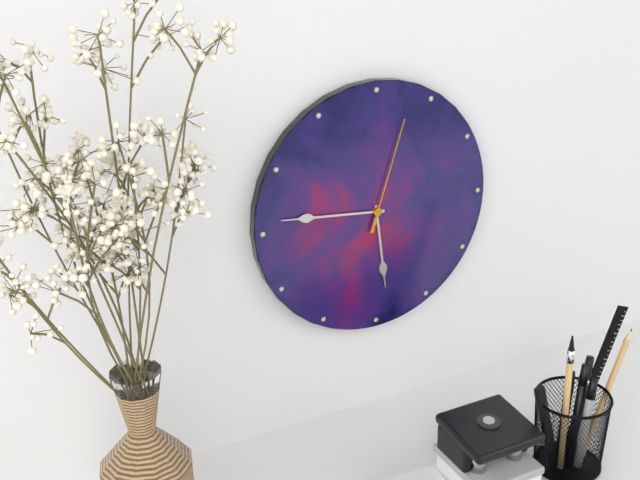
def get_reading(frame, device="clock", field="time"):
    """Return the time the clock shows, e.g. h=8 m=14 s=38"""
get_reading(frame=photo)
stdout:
h=5 m=46 s=3
